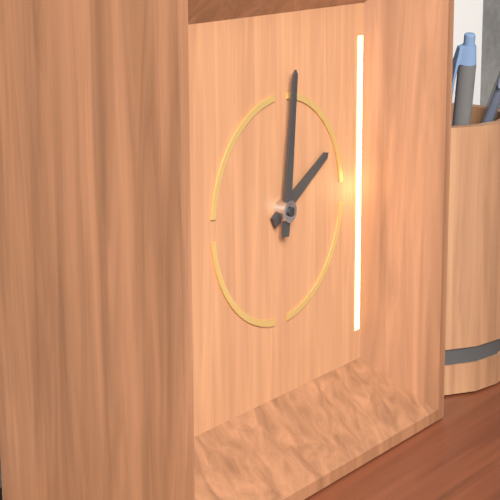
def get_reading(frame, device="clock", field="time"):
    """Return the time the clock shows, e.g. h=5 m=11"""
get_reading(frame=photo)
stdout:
h=2 m=1
